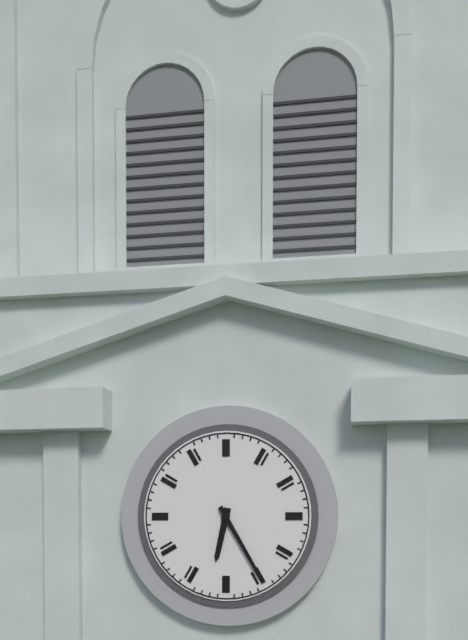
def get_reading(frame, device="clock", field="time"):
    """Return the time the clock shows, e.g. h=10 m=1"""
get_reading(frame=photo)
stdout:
h=6 m=25
